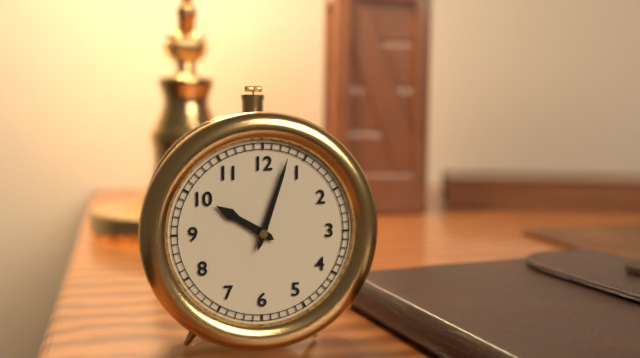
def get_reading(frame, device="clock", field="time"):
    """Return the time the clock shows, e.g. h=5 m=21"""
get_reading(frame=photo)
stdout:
h=10 m=3
